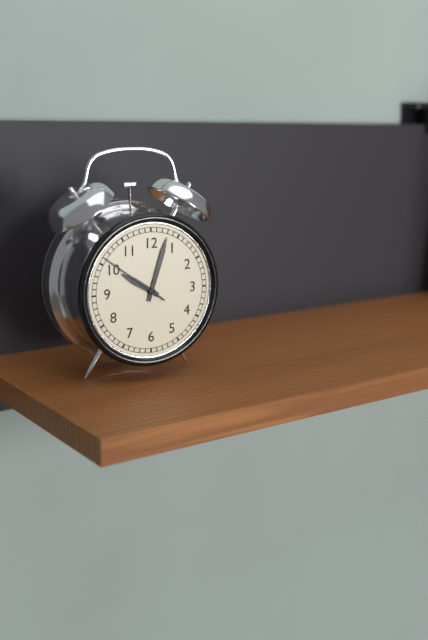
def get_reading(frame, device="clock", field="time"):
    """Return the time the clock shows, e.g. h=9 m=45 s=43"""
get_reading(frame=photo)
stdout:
h=10 m=3 s=51
